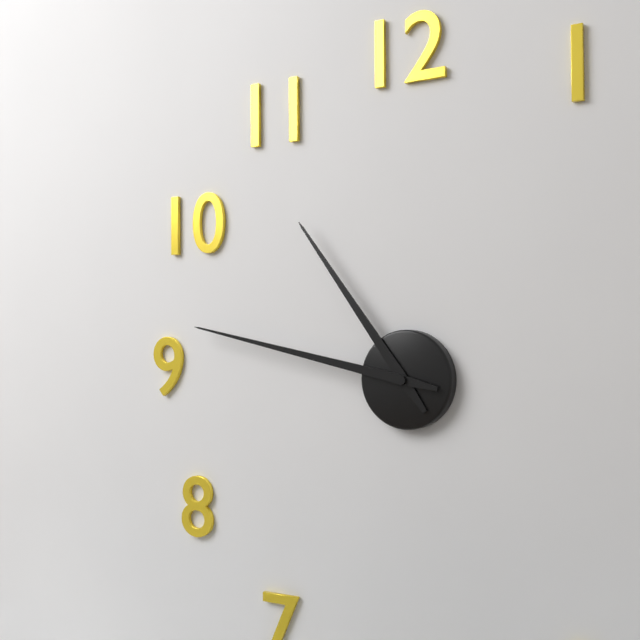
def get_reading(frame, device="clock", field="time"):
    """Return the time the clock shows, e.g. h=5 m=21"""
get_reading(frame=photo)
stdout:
h=10 m=47
